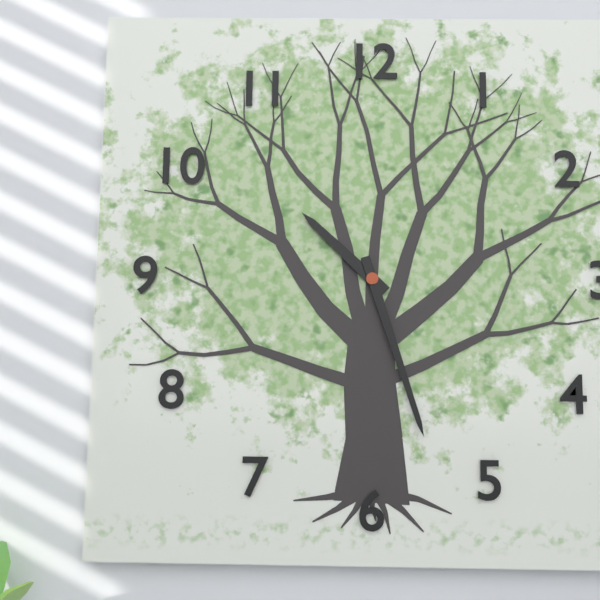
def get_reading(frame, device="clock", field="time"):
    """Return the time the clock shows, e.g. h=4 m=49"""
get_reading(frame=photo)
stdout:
h=10 m=27
